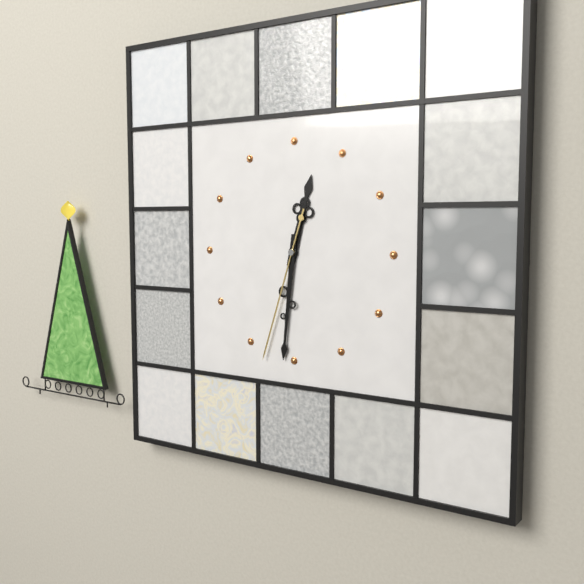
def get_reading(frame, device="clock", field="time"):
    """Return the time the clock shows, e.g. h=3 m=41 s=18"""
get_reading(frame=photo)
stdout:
h=12 m=31 s=33
